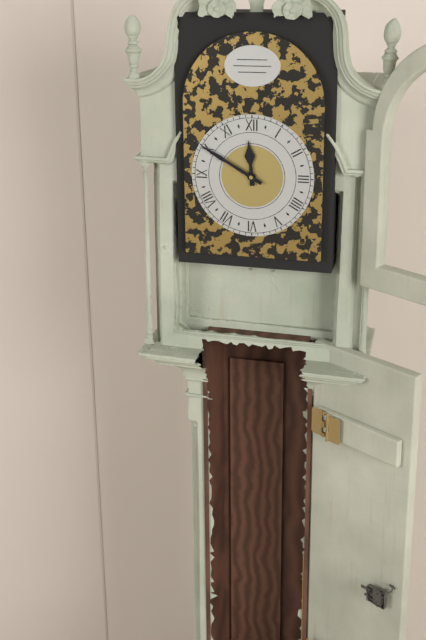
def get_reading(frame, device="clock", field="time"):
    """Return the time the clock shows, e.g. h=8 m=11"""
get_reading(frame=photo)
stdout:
h=11 m=50
